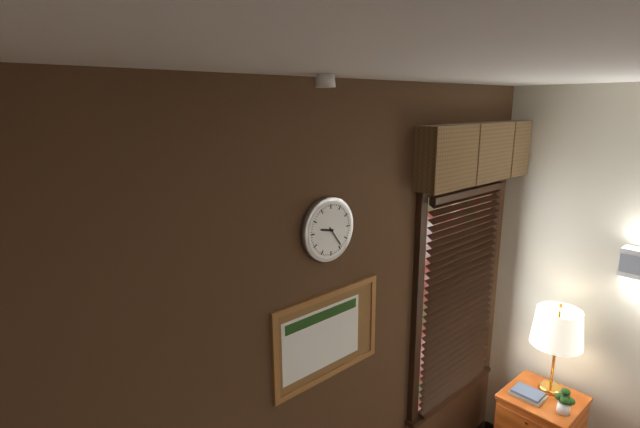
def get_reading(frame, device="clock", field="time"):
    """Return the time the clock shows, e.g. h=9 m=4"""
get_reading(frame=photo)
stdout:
h=9 m=24
